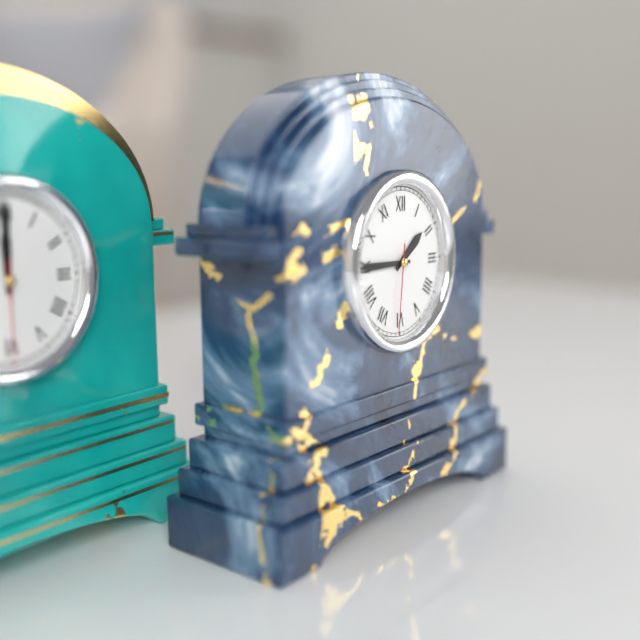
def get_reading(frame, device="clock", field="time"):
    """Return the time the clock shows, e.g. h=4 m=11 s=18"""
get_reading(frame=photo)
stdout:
h=1 m=45 s=31
